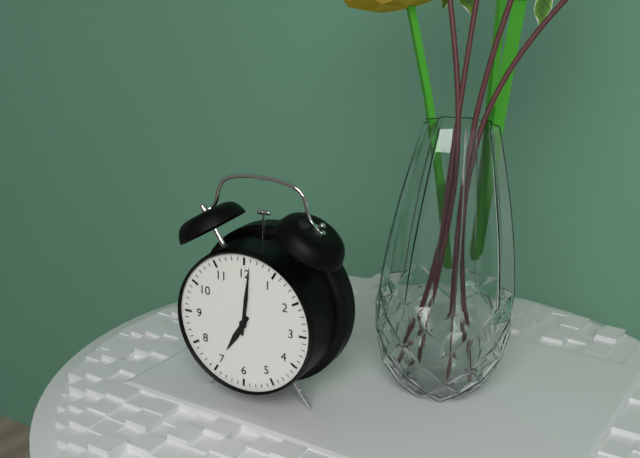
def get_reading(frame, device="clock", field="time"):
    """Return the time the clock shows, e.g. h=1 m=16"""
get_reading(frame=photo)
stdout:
h=7 m=1
